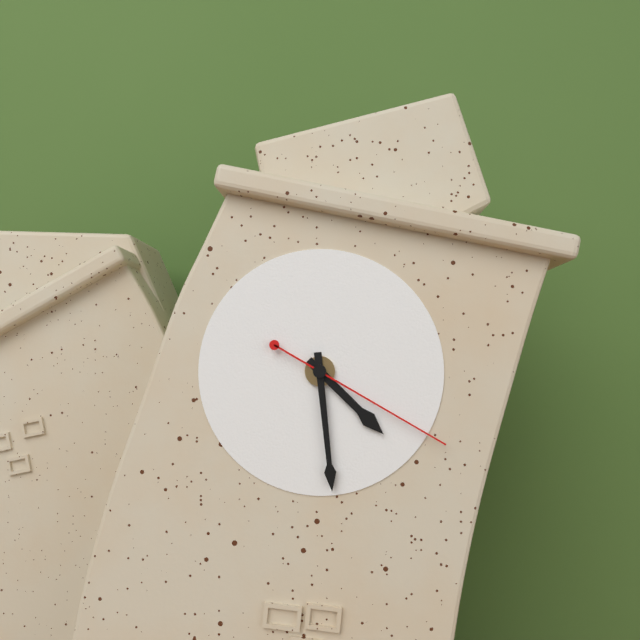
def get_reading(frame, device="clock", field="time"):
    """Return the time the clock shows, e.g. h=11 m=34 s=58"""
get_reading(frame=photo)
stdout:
h=4 m=29 s=20
